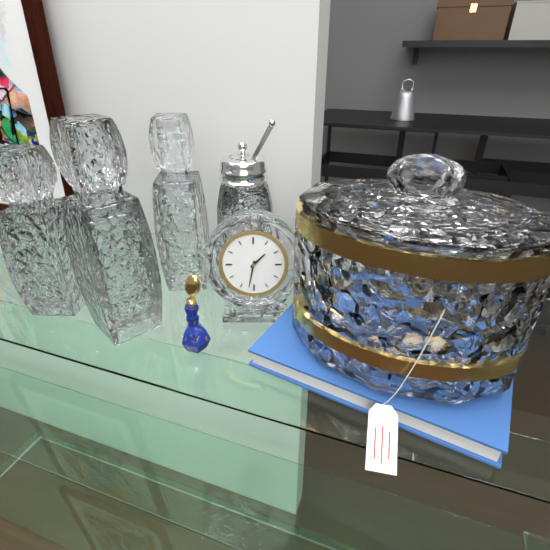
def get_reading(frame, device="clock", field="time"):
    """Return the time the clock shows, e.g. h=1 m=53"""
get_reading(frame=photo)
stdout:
h=1 m=32
